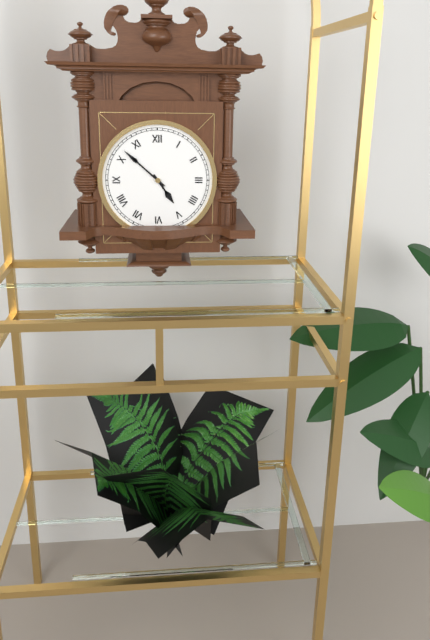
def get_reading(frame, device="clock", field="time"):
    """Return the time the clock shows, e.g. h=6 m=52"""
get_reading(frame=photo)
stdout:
h=4 m=52
